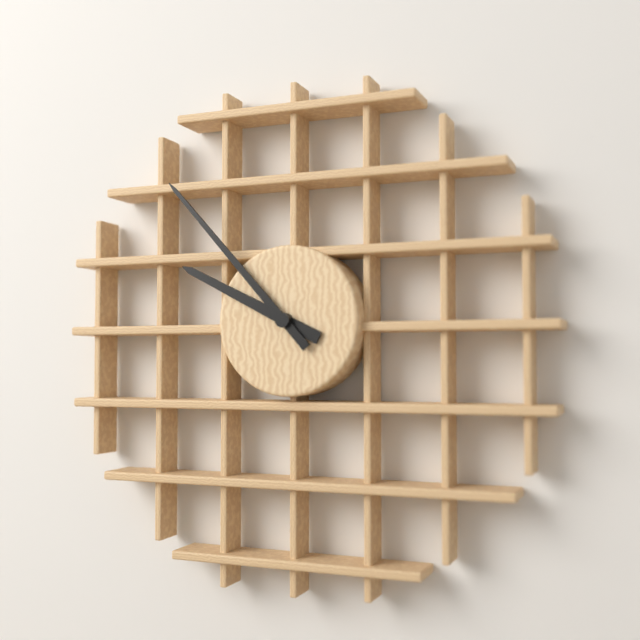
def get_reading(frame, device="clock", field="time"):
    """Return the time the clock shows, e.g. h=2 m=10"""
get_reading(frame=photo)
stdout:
h=9 m=53
